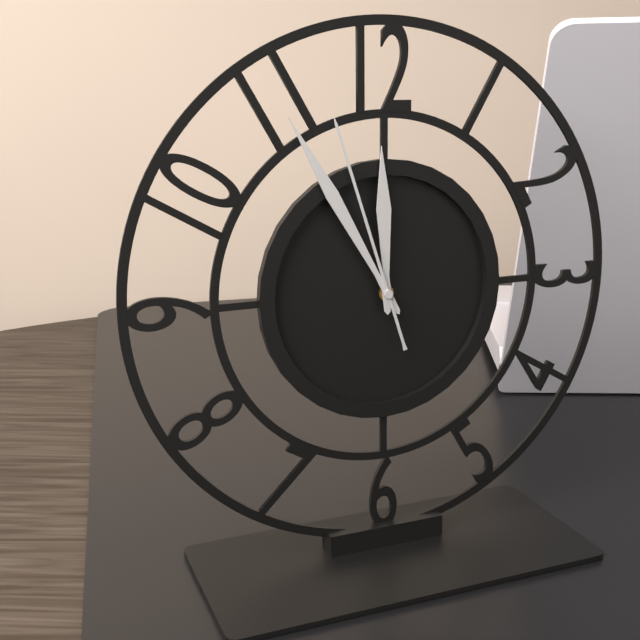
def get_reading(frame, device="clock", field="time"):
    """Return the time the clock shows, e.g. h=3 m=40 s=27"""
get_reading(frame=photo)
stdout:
h=11 m=55 s=57
